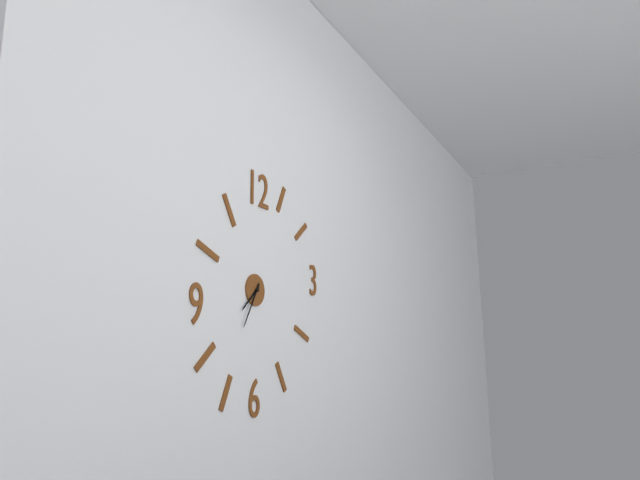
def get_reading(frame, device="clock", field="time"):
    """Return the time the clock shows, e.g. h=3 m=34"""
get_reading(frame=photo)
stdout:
h=7 m=35
